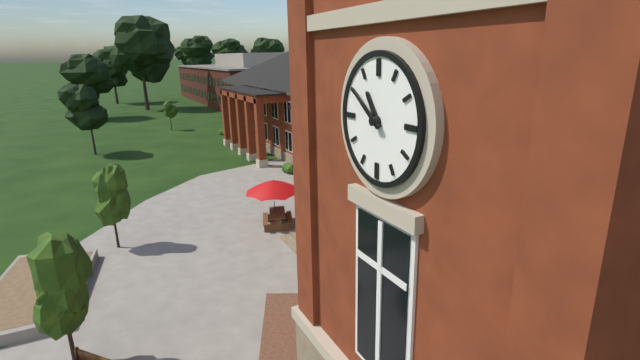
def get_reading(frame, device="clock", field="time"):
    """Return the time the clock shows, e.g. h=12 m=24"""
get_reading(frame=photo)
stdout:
h=10 m=51
